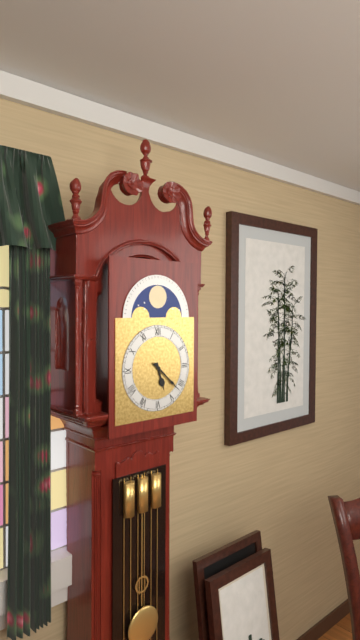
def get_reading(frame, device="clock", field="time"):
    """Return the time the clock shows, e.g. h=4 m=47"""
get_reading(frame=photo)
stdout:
h=5 m=22
